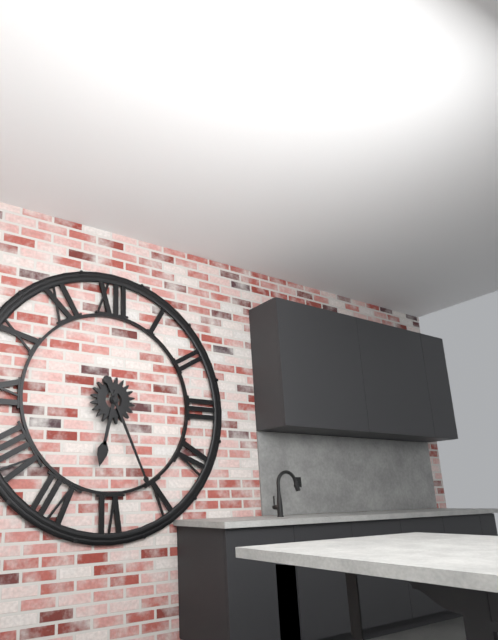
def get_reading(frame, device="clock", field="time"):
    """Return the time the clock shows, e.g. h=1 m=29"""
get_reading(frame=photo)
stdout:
h=6 m=26
